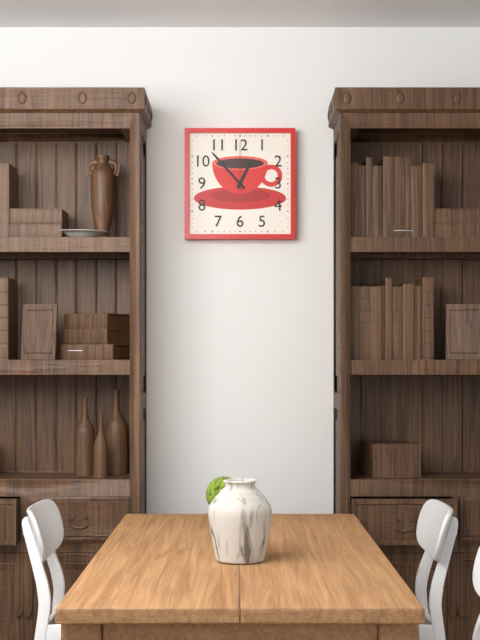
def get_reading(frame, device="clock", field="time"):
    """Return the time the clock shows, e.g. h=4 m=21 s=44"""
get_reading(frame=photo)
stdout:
h=12 m=53 s=0
